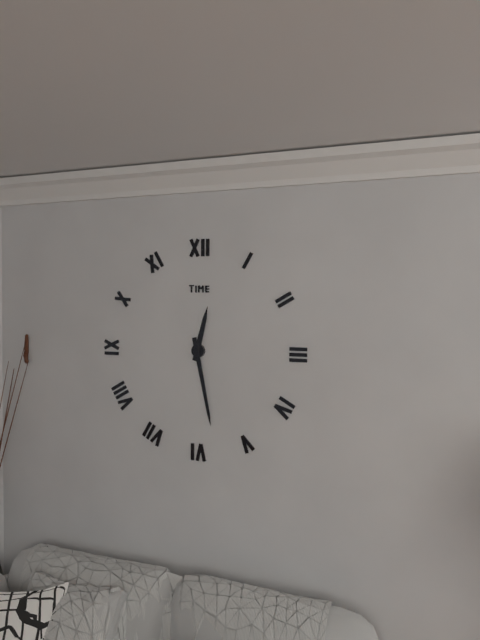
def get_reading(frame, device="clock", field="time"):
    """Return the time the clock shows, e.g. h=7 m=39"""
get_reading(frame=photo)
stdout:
h=12 m=28
